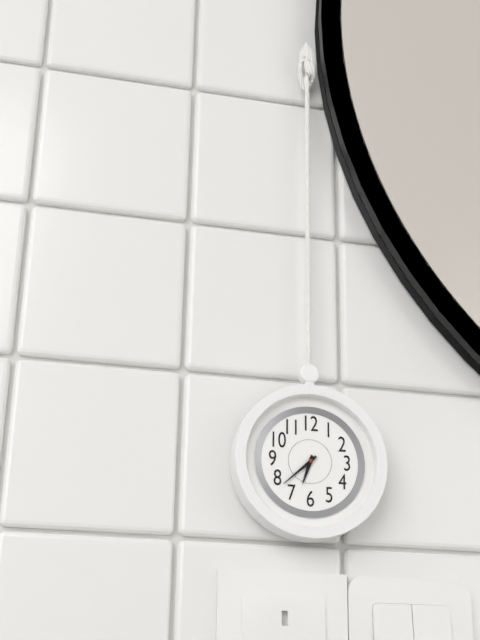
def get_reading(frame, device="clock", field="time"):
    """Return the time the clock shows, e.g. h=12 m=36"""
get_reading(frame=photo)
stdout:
h=6 m=38
